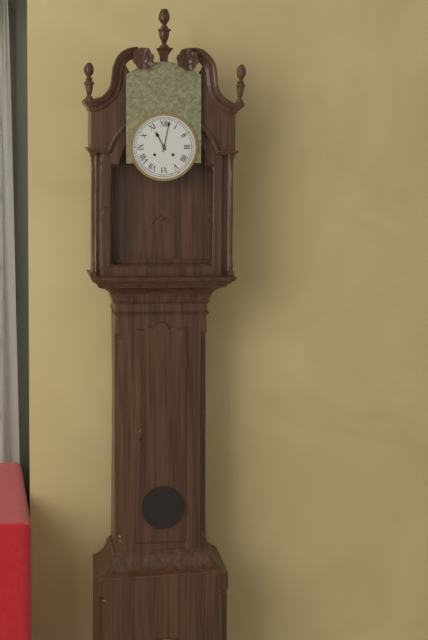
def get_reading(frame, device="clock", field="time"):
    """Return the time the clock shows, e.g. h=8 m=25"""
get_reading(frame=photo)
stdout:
h=11 m=2
